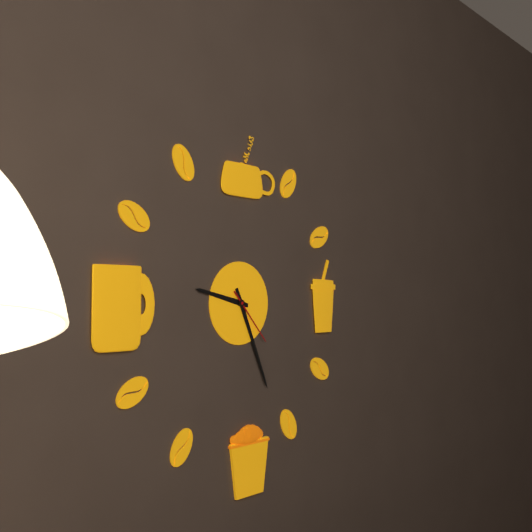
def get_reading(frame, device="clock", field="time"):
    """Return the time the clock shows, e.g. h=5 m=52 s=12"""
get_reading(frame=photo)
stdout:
h=9 m=26 s=23
